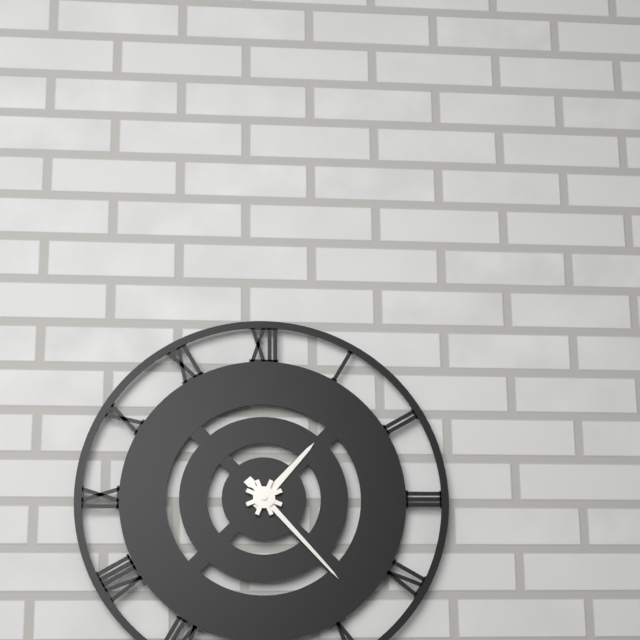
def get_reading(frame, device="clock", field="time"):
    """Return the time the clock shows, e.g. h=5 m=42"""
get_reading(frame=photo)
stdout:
h=1 m=23
